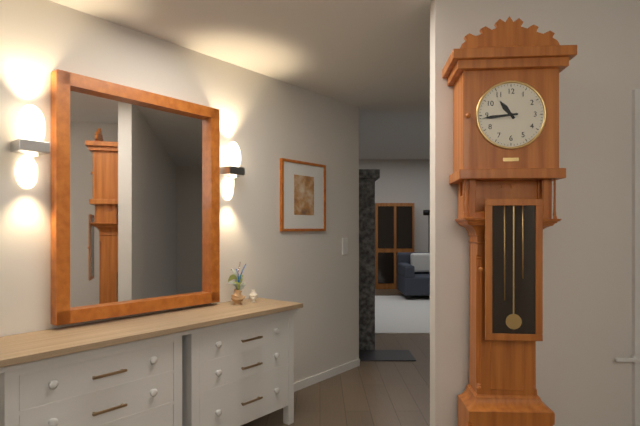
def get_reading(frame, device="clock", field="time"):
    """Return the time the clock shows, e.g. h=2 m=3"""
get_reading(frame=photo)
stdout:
h=10 m=44
